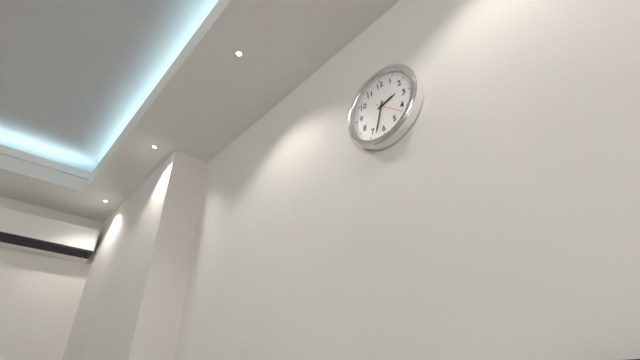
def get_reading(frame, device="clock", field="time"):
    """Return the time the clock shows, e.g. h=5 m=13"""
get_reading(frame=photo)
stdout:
h=2 m=33
